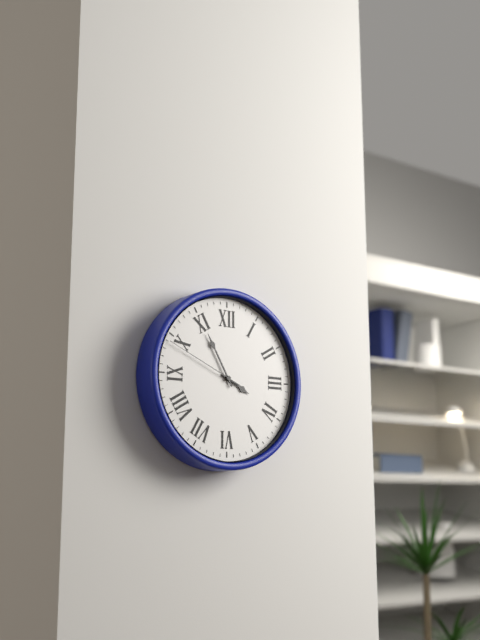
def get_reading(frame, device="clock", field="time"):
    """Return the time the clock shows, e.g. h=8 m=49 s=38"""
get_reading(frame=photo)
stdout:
h=3 m=55 s=49
